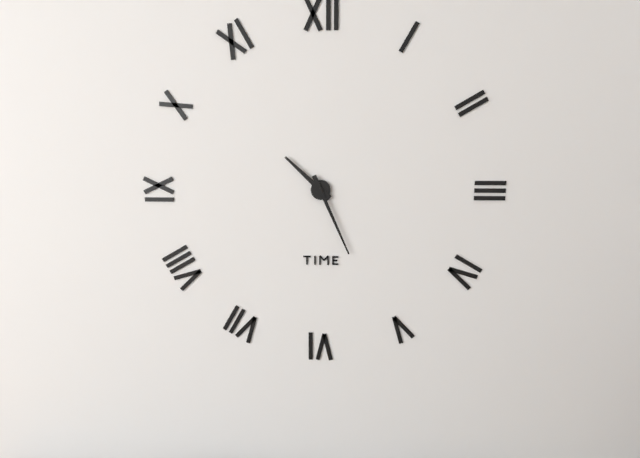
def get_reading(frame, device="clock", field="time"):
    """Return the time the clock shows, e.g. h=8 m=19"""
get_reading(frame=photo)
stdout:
h=10 m=26
